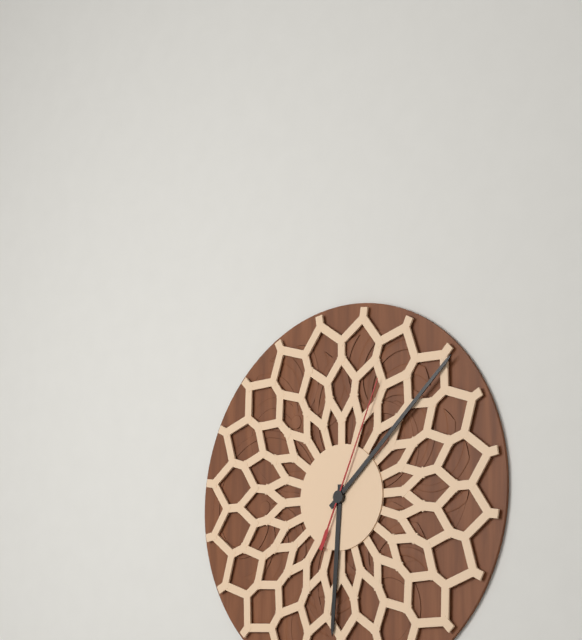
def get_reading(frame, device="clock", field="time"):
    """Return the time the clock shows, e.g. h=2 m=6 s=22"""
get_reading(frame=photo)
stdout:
h=6 m=8 s=4
